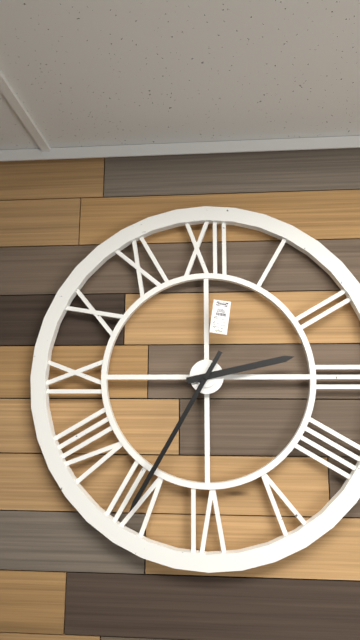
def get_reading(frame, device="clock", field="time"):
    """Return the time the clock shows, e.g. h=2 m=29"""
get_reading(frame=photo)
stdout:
h=2 m=35
